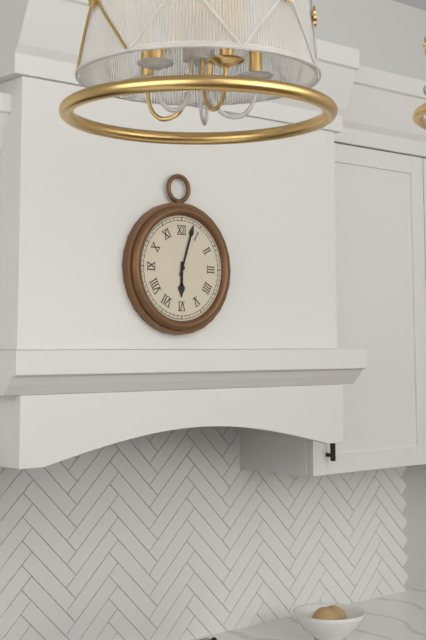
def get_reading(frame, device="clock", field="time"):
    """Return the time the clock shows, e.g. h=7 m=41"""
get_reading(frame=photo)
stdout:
h=6 m=3
